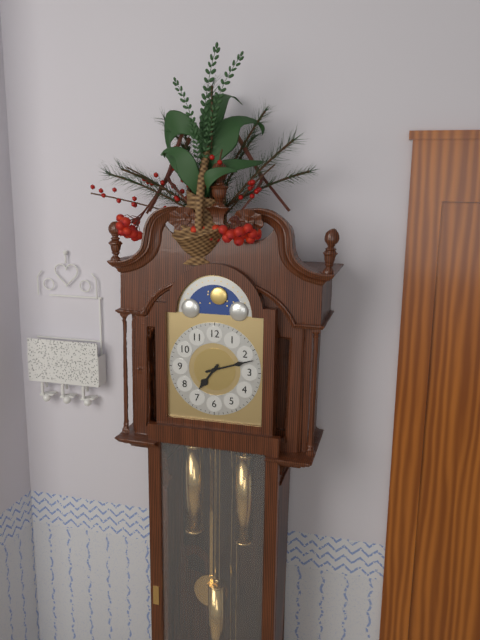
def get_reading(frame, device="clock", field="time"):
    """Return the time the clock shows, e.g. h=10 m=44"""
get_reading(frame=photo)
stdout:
h=7 m=12
